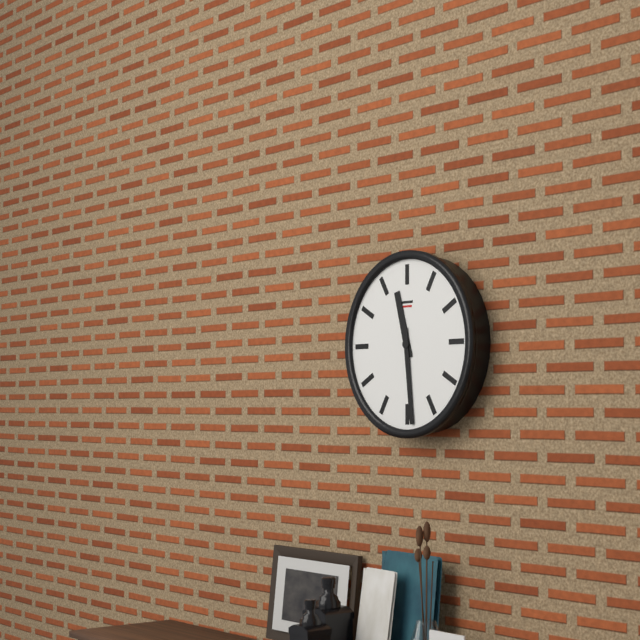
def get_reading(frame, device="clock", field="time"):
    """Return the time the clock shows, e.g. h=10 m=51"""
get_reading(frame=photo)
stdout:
h=11 m=29
